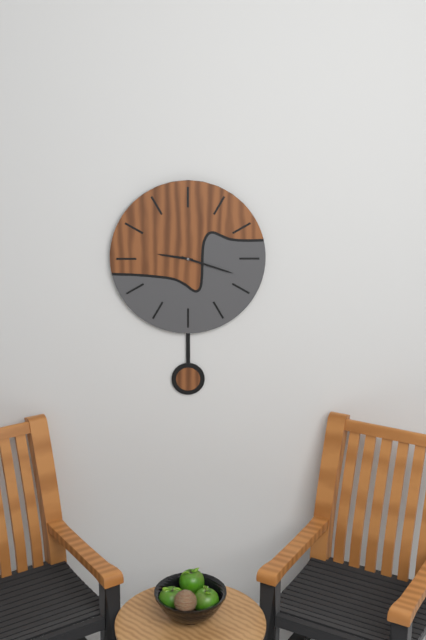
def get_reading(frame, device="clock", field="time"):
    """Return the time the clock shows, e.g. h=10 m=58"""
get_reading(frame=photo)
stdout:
h=9 m=18
